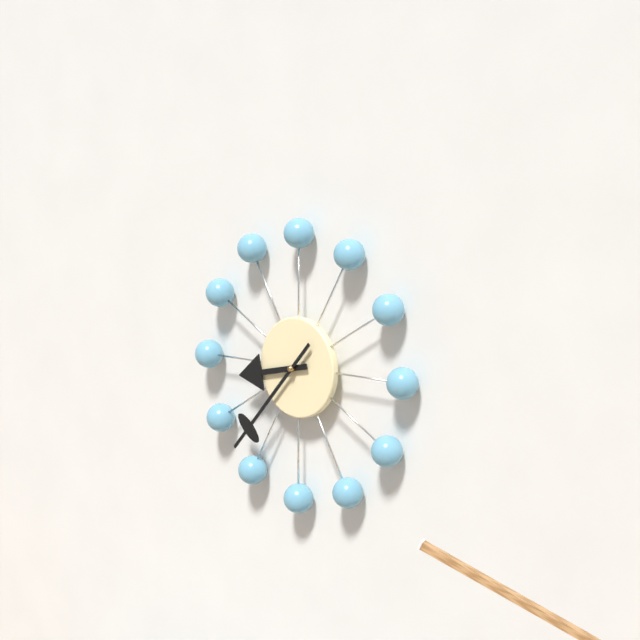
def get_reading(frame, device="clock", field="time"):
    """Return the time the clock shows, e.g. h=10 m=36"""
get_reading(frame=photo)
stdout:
h=8 m=37
